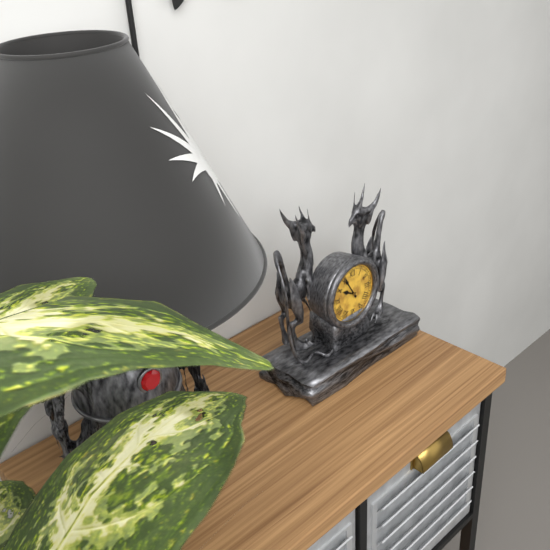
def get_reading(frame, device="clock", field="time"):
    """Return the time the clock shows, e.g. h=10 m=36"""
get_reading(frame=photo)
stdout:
h=9 m=55
